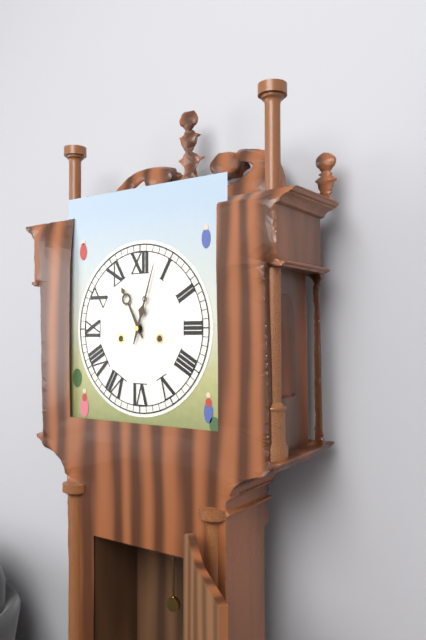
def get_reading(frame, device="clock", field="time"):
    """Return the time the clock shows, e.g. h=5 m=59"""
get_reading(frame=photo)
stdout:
h=11 m=3
